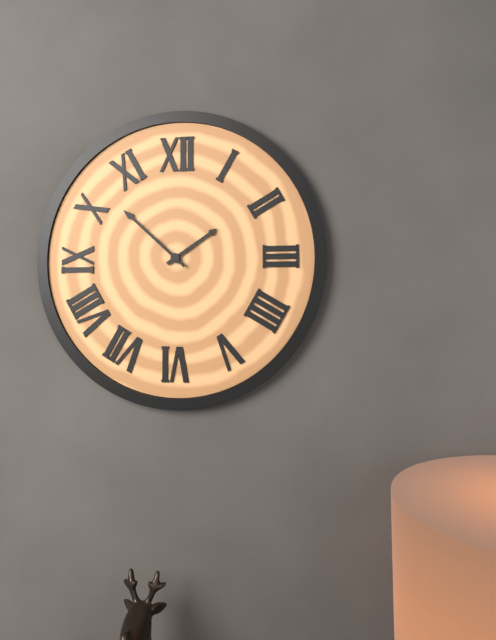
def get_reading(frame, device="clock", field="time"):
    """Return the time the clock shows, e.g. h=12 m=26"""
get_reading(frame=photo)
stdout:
h=1 m=52
